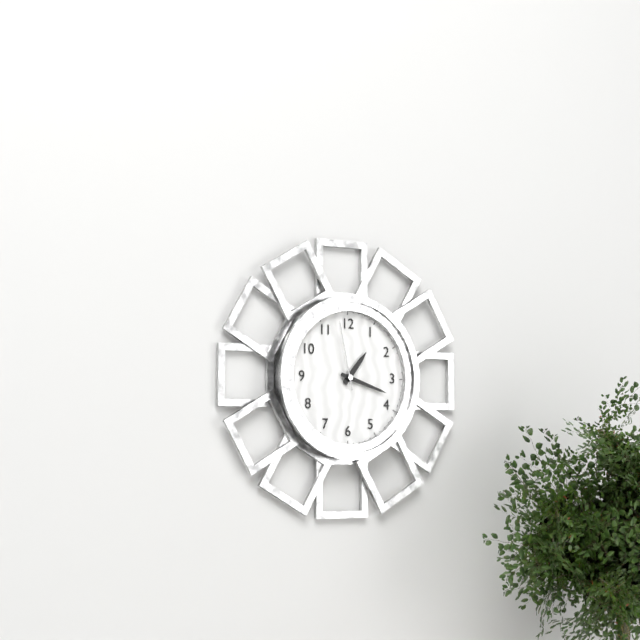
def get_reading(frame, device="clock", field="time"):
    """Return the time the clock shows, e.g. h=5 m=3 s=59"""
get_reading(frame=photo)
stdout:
h=1 m=18 s=58
